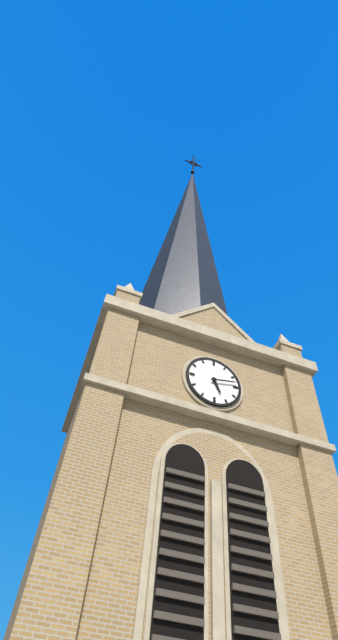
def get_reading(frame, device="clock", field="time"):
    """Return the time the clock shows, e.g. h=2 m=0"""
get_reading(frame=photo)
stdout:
h=5 m=13
